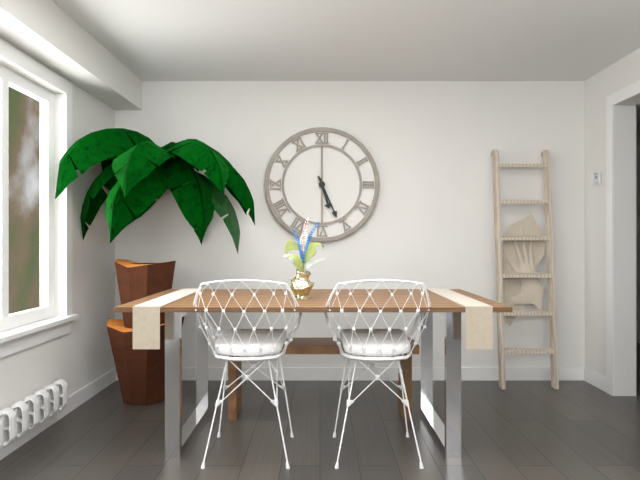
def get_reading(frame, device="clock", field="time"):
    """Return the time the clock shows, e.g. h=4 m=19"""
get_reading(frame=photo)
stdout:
h=5 m=26
